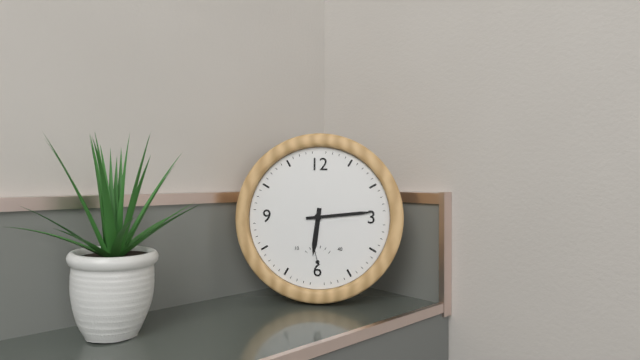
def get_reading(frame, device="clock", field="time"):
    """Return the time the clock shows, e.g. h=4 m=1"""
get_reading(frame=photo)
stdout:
h=6 m=14
